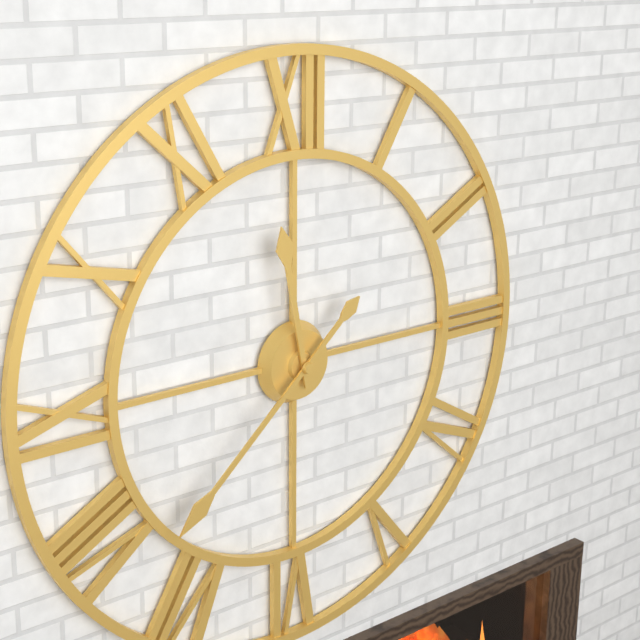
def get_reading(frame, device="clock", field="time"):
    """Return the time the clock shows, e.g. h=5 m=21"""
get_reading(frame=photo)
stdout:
h=11 m=38
